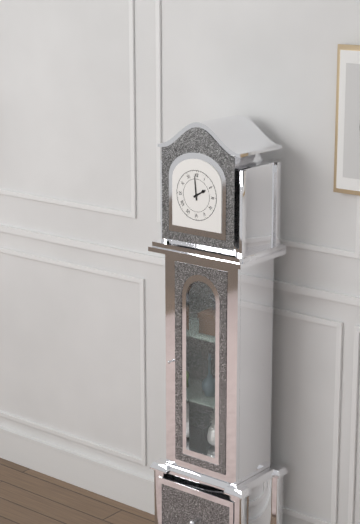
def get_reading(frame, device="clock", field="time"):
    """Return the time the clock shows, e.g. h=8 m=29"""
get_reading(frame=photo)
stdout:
h=1 m=59
